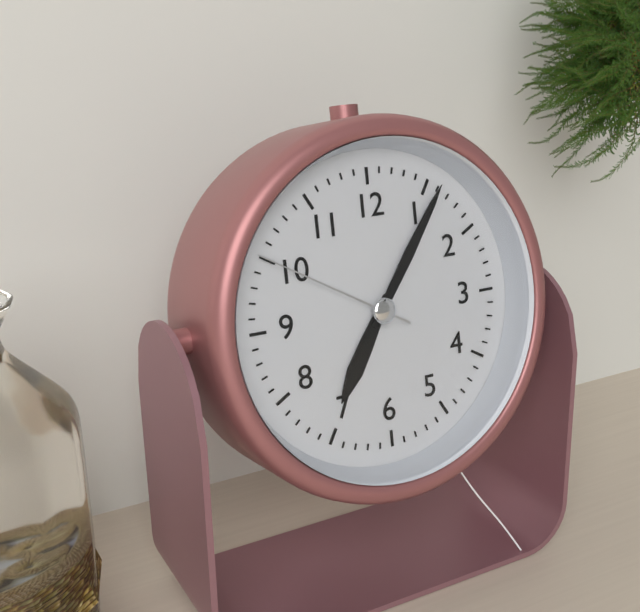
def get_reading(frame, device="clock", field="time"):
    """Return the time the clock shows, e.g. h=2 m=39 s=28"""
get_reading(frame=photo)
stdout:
h=7 m=6 s=50
